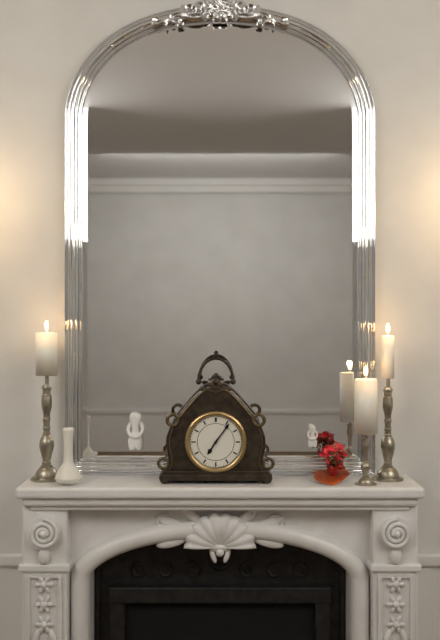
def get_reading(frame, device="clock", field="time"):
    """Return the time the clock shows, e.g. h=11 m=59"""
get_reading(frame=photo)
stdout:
h=7 m=6
